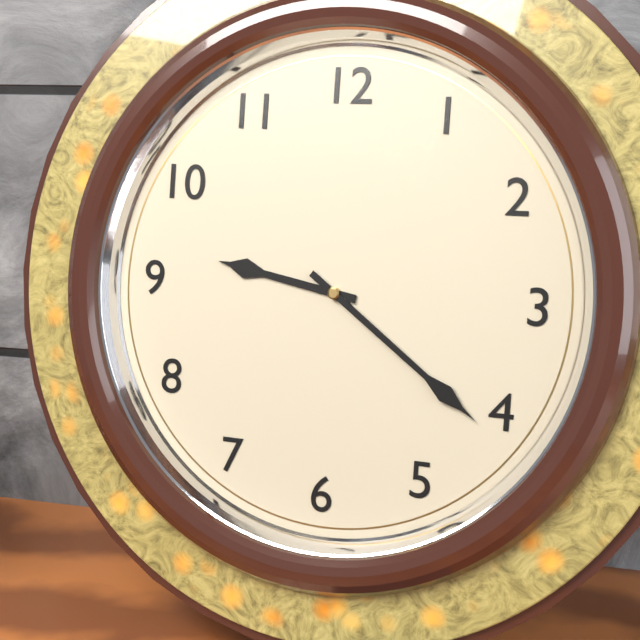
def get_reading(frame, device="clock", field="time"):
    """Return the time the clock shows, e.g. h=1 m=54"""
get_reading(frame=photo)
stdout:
h=9 m=21
